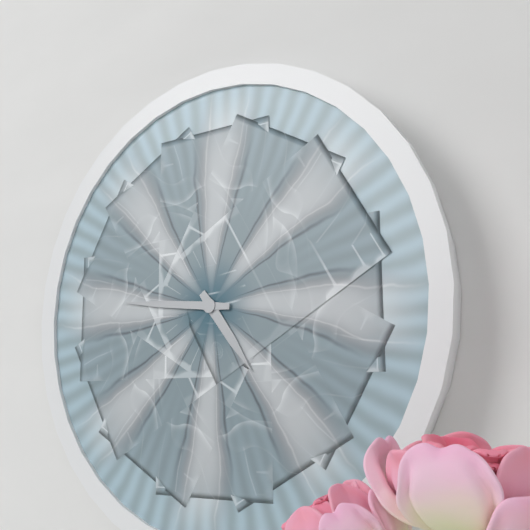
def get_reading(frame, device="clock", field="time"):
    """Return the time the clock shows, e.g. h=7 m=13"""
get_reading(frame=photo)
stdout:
h=4 m=46
